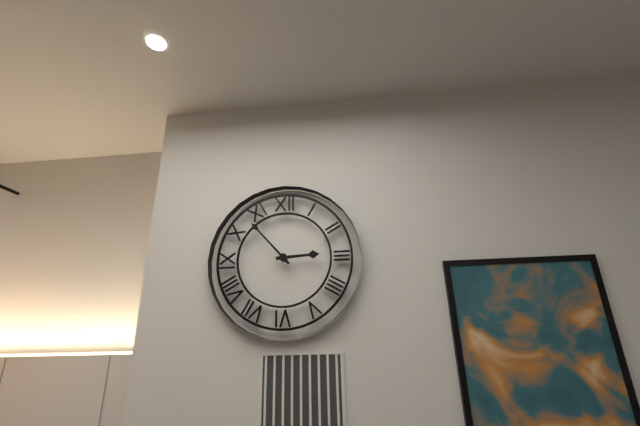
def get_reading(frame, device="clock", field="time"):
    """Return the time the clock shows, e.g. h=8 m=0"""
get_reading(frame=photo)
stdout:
h=2 m=53
